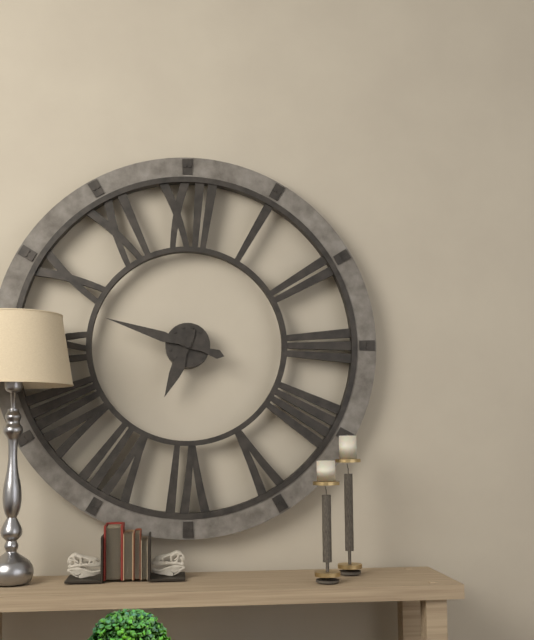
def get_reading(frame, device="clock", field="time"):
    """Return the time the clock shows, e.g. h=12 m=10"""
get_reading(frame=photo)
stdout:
h=6 m=48
